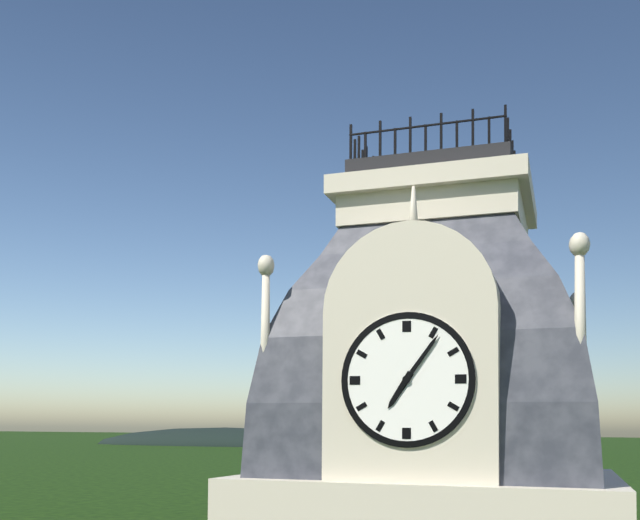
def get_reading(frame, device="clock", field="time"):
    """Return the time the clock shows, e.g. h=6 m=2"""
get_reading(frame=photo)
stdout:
h=7 m=6
